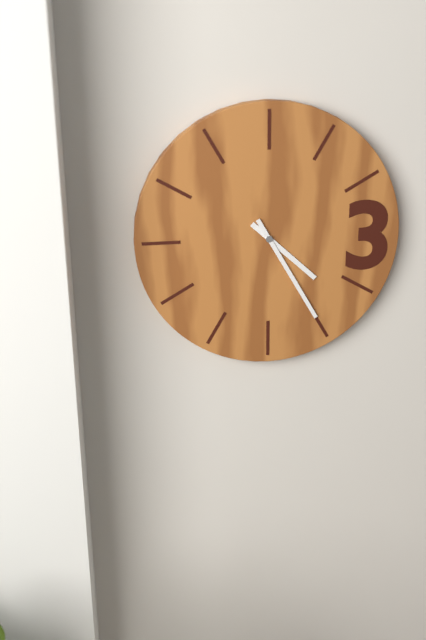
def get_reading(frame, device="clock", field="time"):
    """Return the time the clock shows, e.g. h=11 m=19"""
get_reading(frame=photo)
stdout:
h=4 m=25
